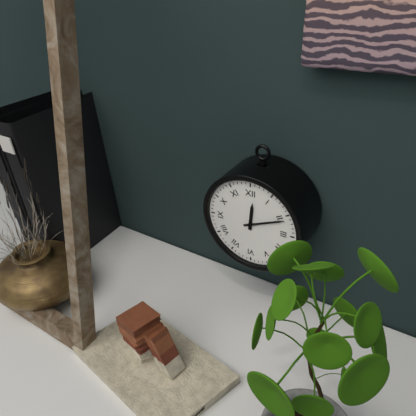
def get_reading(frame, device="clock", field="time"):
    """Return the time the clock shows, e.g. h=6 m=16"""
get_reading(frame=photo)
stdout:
h=12 m=11
